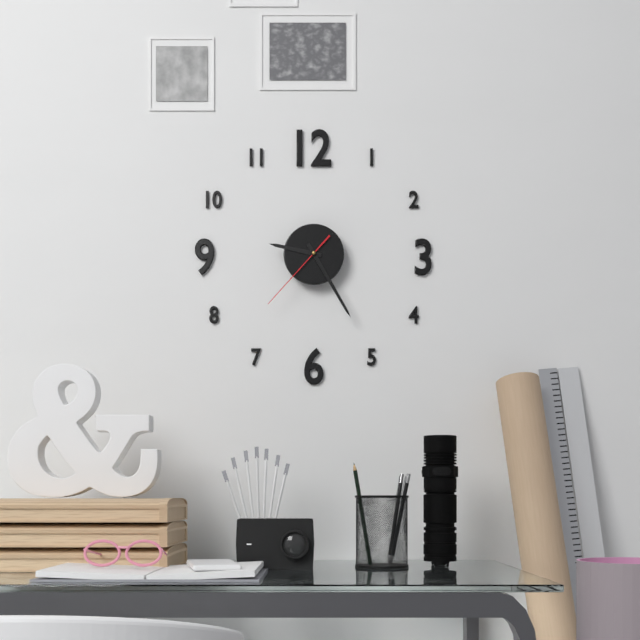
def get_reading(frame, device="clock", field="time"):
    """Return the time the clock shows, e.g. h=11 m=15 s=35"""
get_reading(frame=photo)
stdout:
h=9 m=25 s=37
